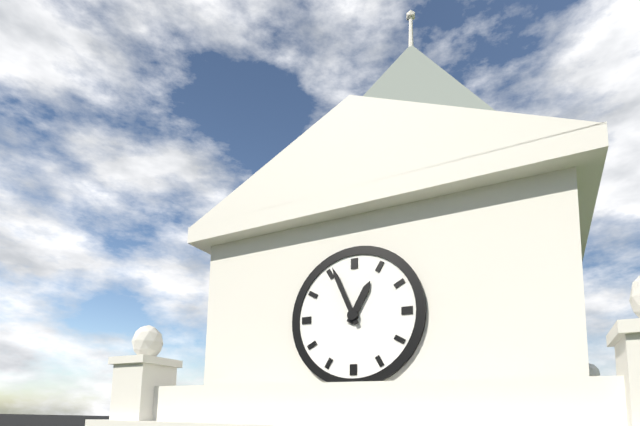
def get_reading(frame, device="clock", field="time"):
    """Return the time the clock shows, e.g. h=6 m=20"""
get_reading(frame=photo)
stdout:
h=12 m=56
